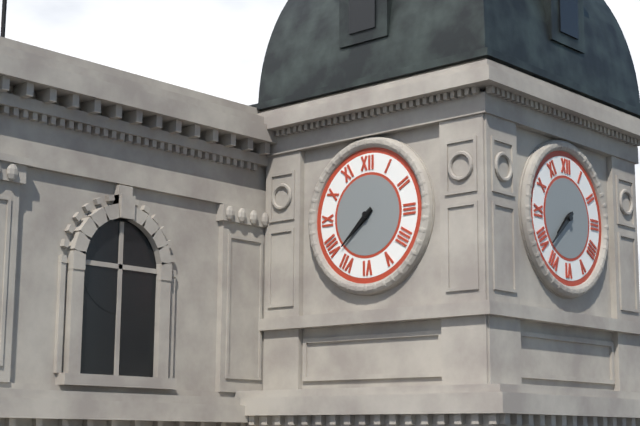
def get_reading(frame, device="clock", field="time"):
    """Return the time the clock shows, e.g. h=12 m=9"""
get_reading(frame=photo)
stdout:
h=7 m=38
